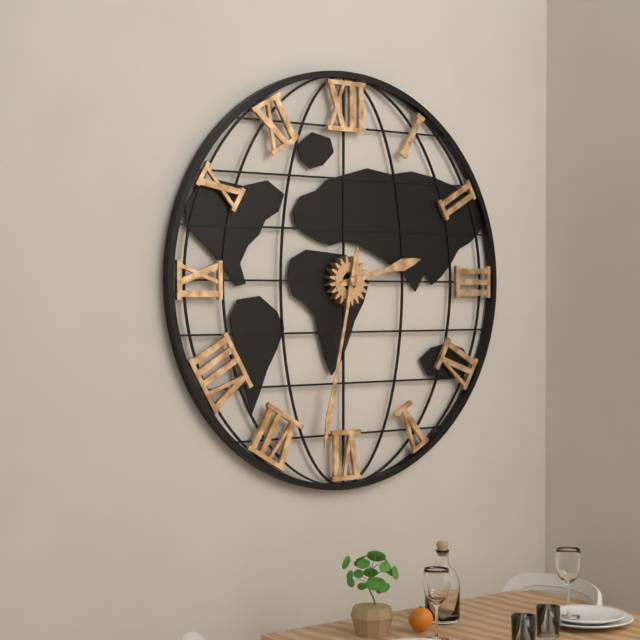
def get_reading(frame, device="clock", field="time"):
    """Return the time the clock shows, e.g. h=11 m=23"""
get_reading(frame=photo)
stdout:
h=2 m=32
